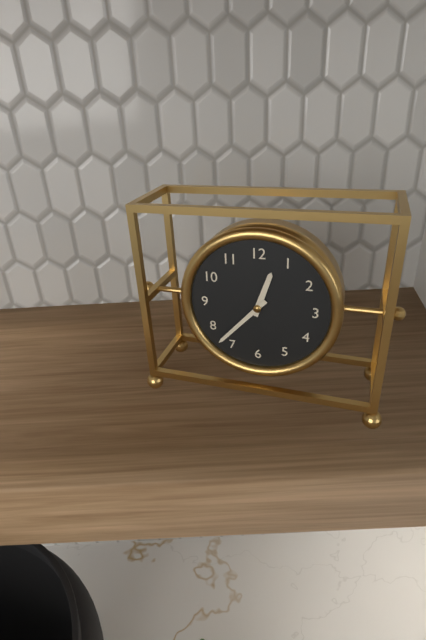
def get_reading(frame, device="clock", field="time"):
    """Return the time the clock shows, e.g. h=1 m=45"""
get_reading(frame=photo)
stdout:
h=12 m=37
